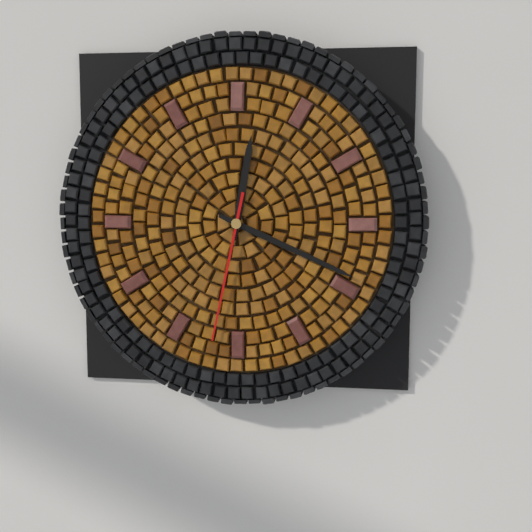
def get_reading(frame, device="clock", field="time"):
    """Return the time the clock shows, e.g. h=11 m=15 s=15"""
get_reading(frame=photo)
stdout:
h=12 m=19 s=32
